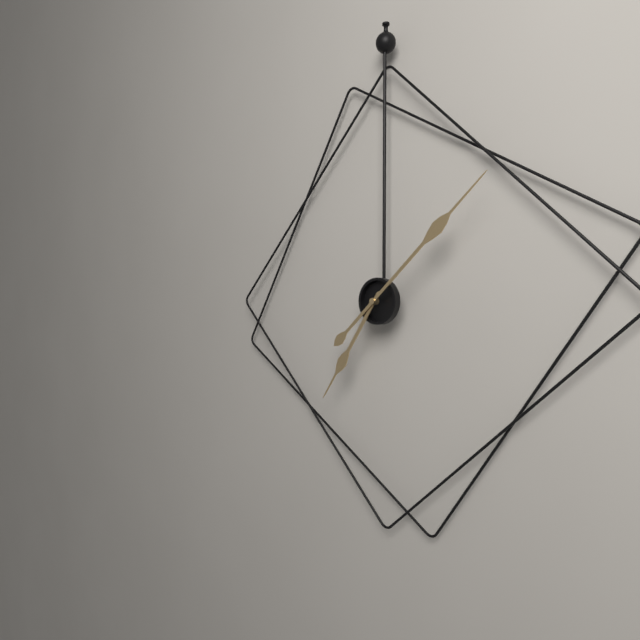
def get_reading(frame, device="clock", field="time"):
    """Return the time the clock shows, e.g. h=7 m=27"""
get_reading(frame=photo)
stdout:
h=7 m=8
